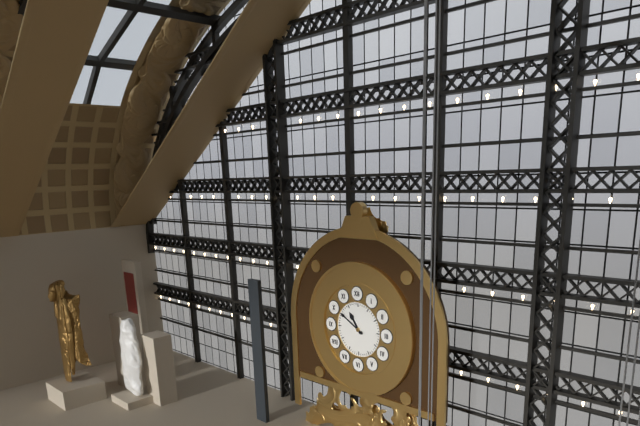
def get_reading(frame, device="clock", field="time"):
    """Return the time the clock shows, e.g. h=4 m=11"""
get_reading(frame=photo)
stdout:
h=10 m=50
